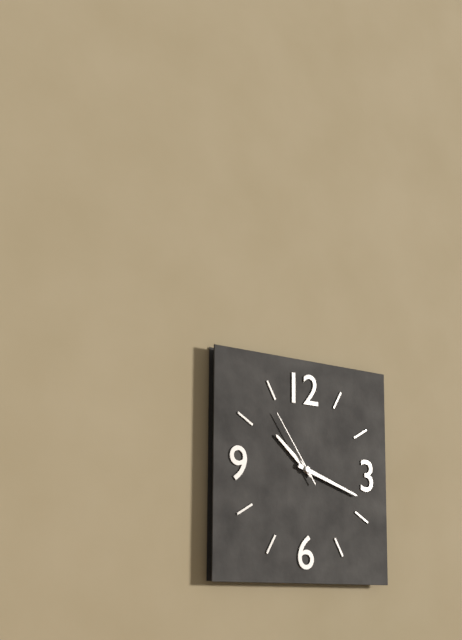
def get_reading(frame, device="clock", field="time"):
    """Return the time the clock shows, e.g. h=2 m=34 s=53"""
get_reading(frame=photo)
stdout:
h=10 m=18 s=54
